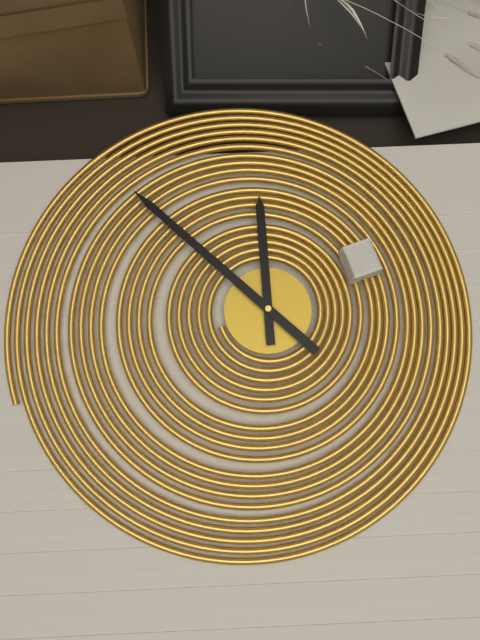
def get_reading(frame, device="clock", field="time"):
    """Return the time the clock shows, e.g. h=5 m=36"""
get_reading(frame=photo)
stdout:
h=11 m=52
